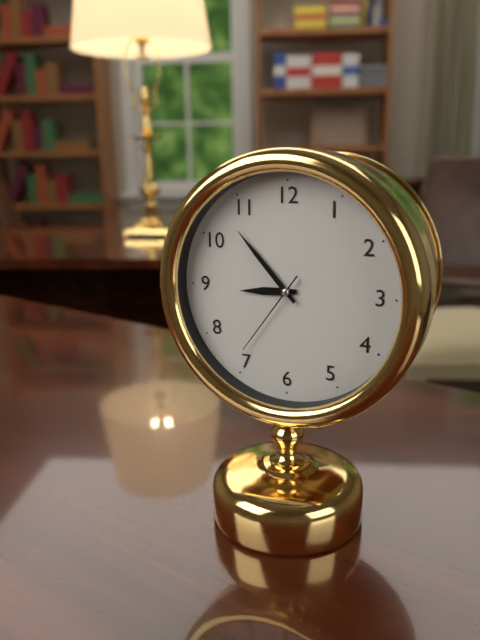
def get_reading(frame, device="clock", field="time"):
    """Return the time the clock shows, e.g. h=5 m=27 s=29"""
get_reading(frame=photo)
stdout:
h=8 m=53 s=36
